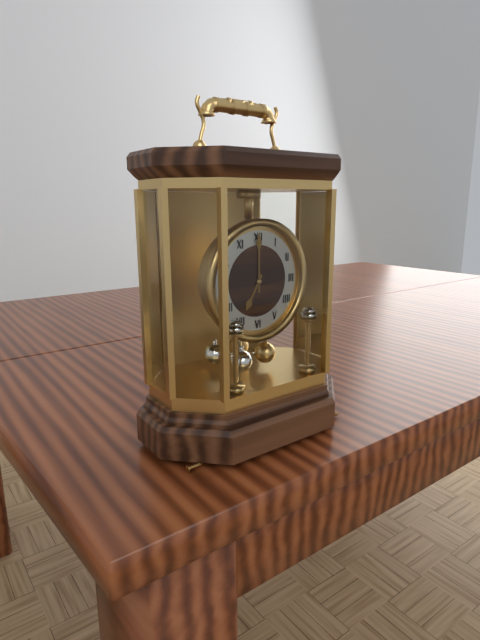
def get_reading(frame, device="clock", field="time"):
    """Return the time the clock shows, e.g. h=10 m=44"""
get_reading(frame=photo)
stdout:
h=7 m=0
